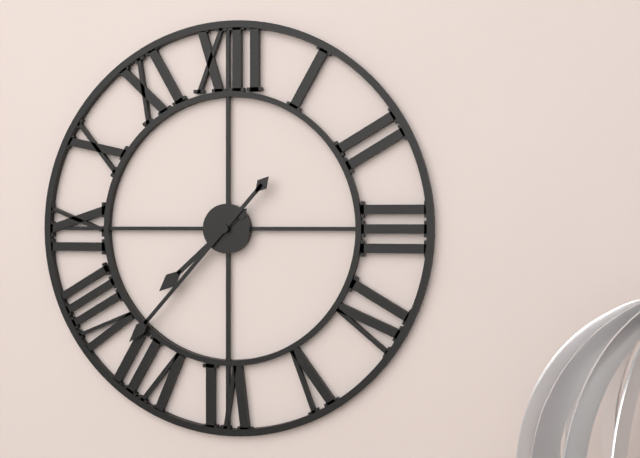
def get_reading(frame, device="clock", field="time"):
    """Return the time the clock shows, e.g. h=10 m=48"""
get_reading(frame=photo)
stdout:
h=7 m=37
